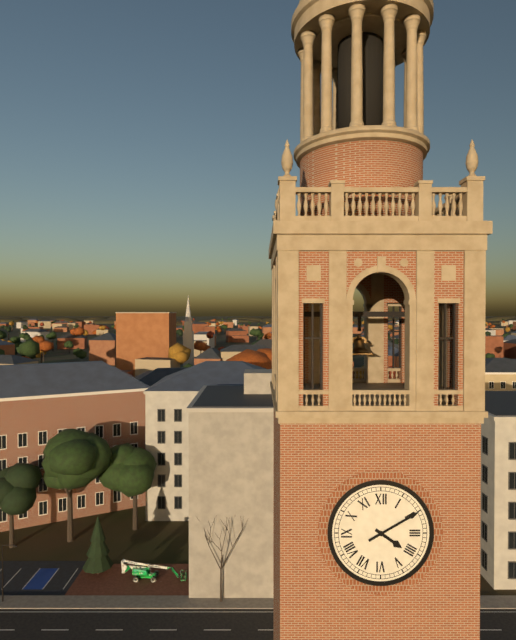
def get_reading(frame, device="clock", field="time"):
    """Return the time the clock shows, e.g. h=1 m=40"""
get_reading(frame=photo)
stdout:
h=4 m=10
